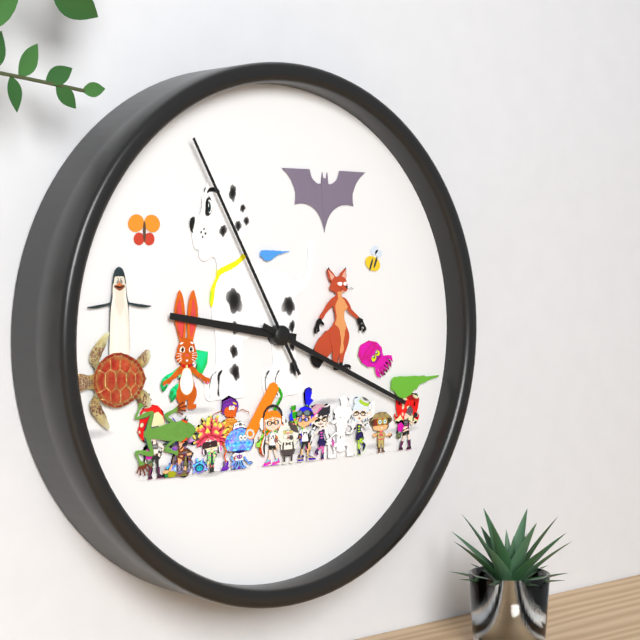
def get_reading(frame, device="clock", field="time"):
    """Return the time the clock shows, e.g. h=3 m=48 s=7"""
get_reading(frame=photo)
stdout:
h=9 m=19 s=55
